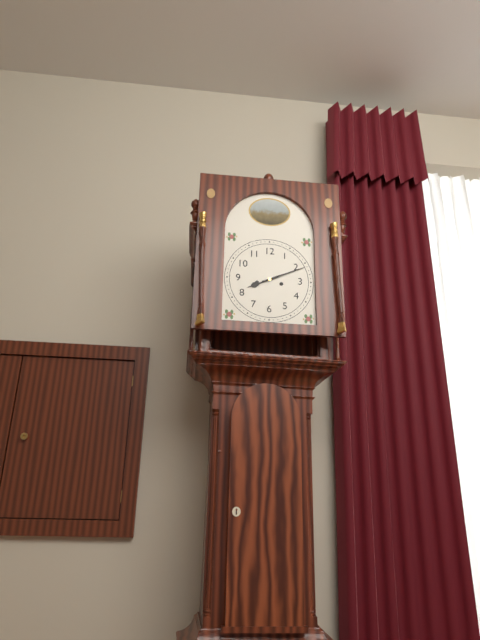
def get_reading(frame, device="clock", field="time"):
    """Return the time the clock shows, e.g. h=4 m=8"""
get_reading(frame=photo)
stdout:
h=8 m=11
